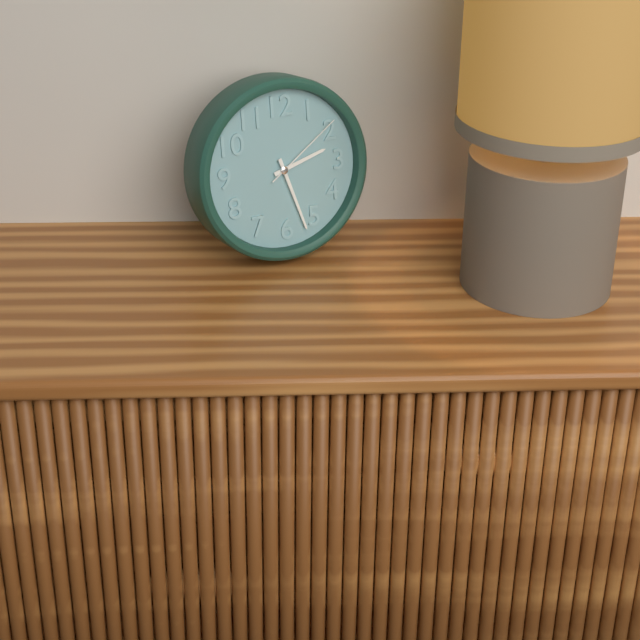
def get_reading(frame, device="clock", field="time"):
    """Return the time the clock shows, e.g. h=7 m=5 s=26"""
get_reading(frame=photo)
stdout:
h=2 m=27 s=9
